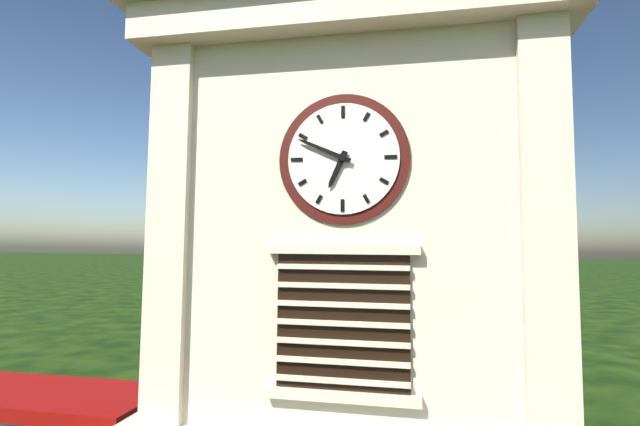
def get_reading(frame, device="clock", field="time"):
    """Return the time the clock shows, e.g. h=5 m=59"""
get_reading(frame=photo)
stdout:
h=6 m=49
